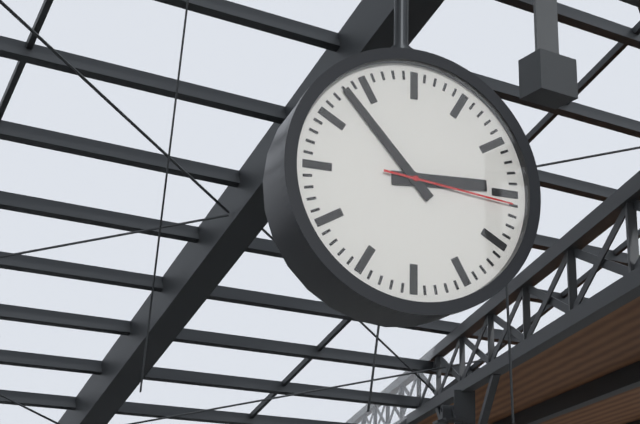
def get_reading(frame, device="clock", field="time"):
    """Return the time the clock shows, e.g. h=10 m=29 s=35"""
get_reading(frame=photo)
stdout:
h=2 m=53 s=16
